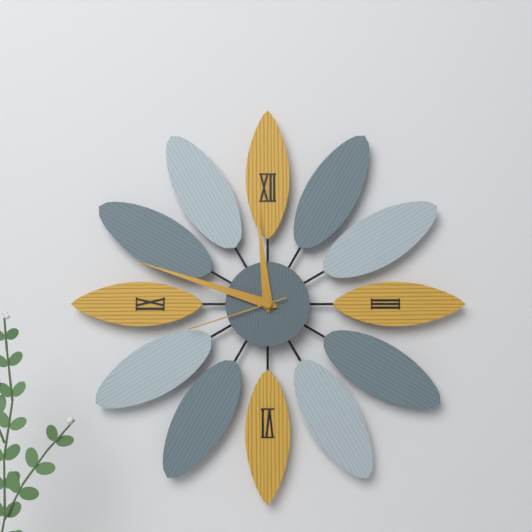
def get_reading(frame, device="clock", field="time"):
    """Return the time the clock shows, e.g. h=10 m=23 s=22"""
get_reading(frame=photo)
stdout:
h=11 m=48 s=42
